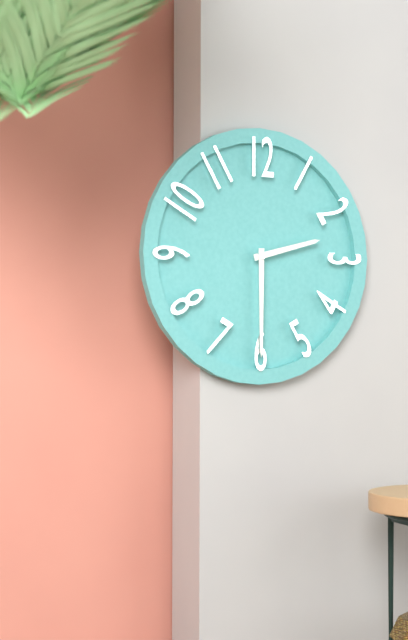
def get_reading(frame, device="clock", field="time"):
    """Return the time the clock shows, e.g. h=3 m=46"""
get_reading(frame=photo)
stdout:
h=2 m=30
